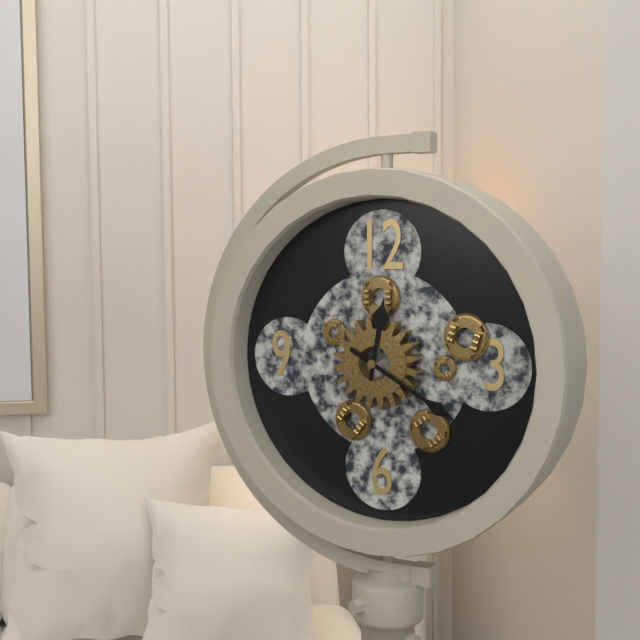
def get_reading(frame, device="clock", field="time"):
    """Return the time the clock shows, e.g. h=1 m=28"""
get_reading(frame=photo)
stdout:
h=12 m=20
